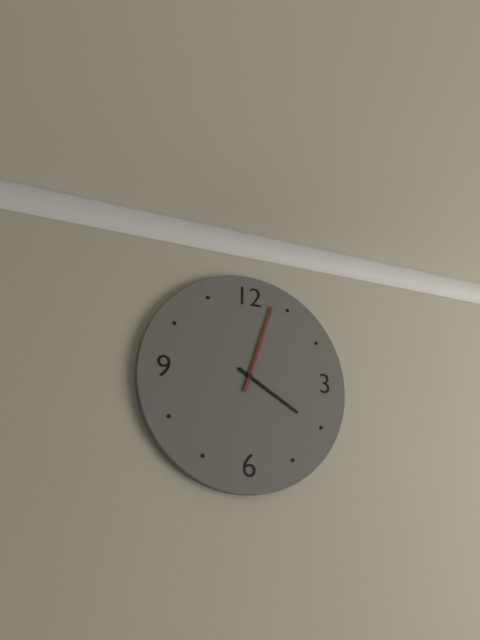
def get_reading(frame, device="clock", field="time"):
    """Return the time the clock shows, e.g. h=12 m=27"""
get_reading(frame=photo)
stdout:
h=4 m=3
